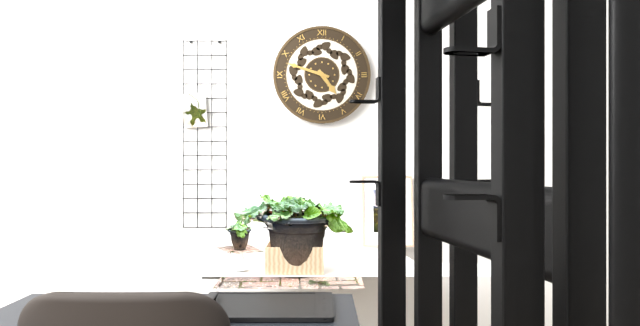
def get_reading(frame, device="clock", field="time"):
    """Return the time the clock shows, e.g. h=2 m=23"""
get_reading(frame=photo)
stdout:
h=4 m=48
